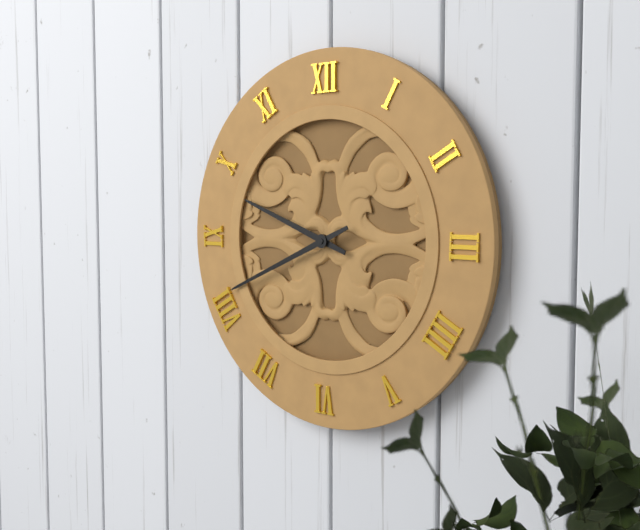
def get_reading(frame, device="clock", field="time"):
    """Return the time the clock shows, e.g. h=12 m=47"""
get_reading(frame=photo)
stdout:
h=9 m=41
